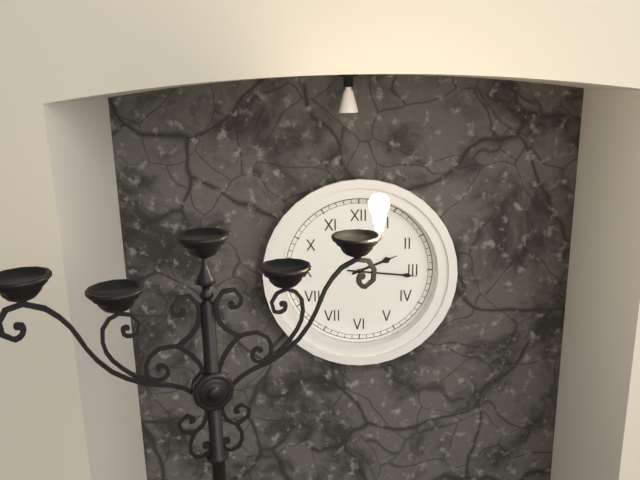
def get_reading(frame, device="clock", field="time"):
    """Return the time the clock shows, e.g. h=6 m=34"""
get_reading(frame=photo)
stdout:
h=2 m=16
